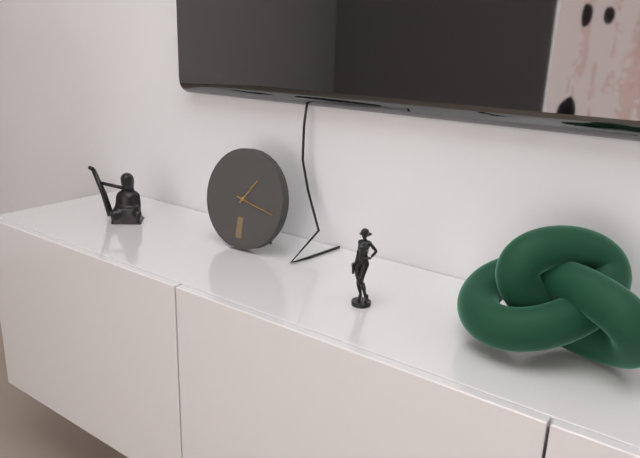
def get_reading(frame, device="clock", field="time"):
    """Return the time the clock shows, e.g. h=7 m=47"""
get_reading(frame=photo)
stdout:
h=1 m=17
